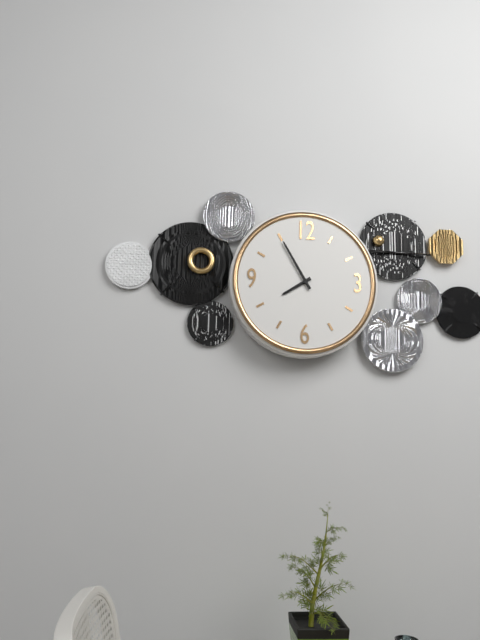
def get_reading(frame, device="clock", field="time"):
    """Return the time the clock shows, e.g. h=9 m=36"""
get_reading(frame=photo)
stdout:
h=7 m=55
